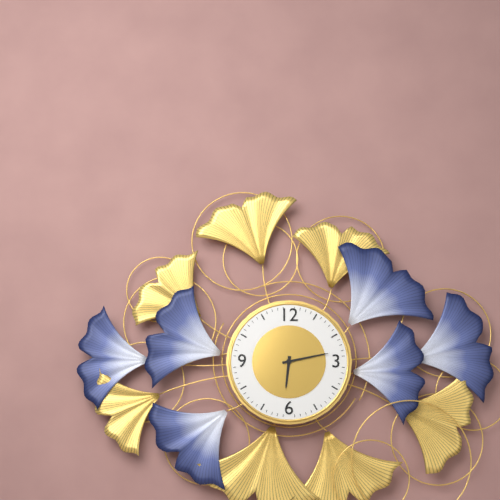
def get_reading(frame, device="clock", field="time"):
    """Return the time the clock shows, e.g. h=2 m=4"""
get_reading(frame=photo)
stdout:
h=6 m=13
